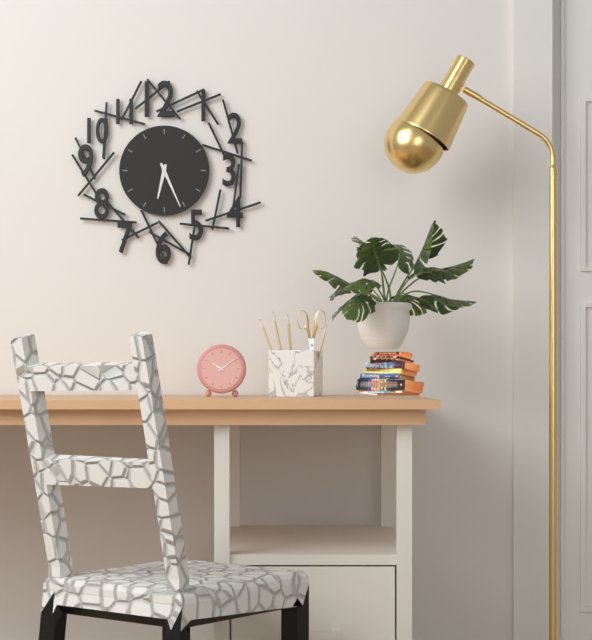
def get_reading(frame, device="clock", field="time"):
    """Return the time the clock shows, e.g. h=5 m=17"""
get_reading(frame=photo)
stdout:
h=6 m=26
